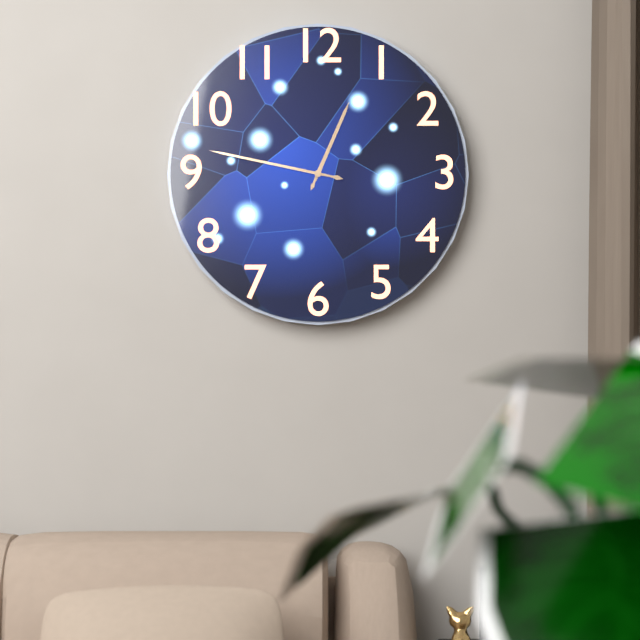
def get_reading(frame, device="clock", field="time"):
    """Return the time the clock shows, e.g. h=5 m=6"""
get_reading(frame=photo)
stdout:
h=12 m=47
